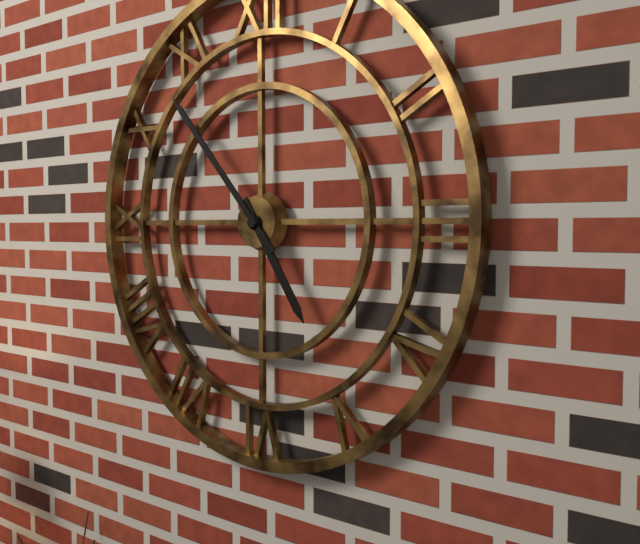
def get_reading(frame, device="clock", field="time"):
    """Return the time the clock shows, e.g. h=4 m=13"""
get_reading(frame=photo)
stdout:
h=4 m=53
